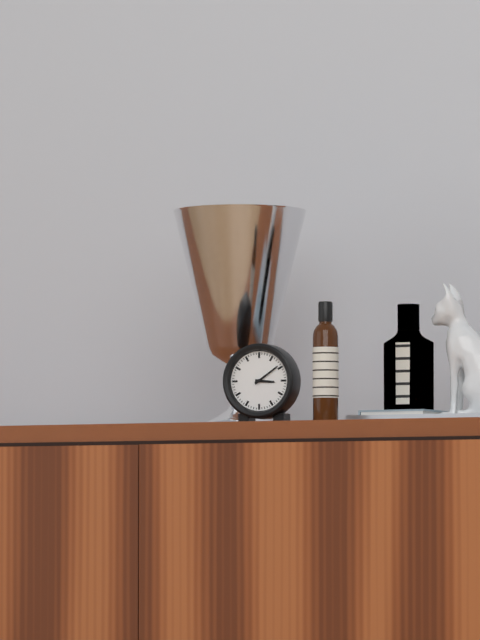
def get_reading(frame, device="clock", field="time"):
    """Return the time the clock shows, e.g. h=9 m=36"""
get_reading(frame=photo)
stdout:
h=3 m=9
